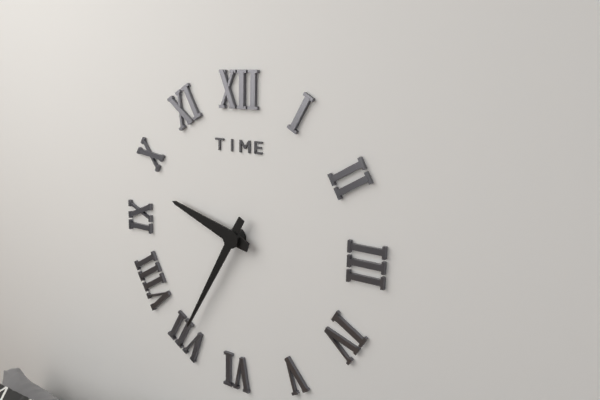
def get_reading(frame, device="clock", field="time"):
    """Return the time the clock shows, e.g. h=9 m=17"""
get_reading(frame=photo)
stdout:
h=9 m=35
